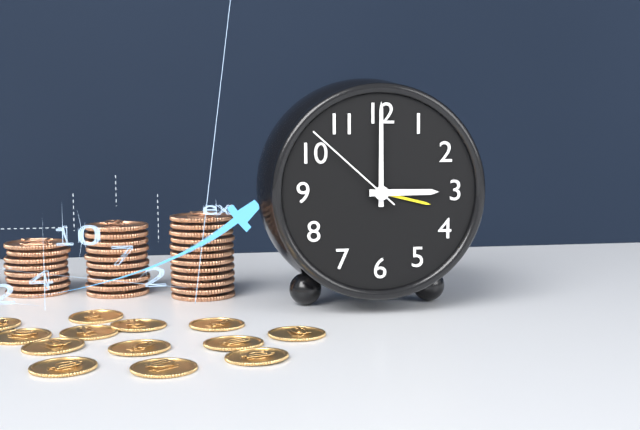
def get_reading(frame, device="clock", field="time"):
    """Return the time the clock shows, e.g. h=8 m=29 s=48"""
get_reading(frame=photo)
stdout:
h=3 m=0 s=52
